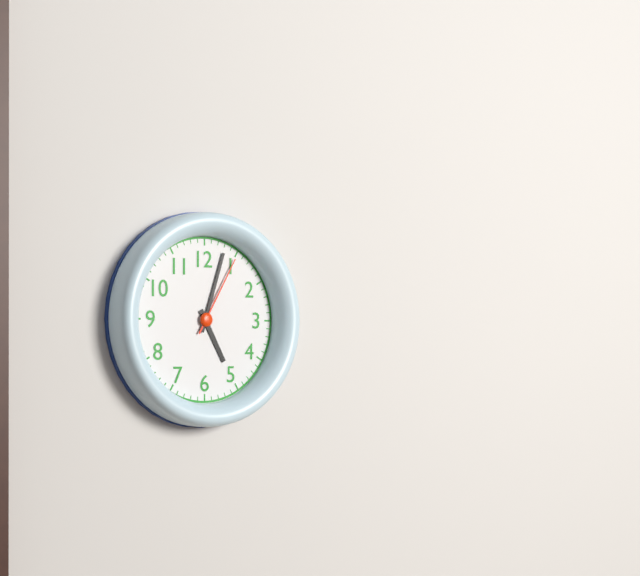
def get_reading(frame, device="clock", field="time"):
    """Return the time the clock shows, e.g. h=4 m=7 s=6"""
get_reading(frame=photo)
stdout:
h=5 m=3 s=5
